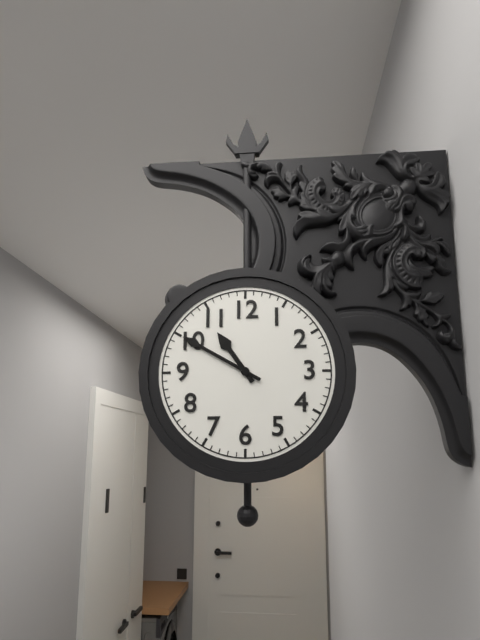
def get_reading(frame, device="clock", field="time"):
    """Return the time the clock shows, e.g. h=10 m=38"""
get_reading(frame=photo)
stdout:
h=10 m=50
